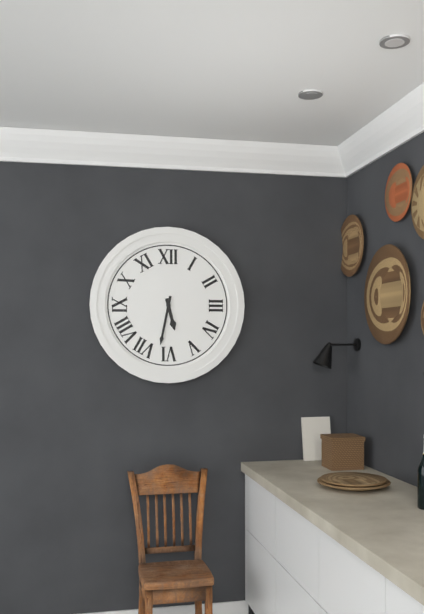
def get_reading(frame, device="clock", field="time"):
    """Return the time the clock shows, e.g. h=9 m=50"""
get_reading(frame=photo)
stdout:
h=5 m=32
